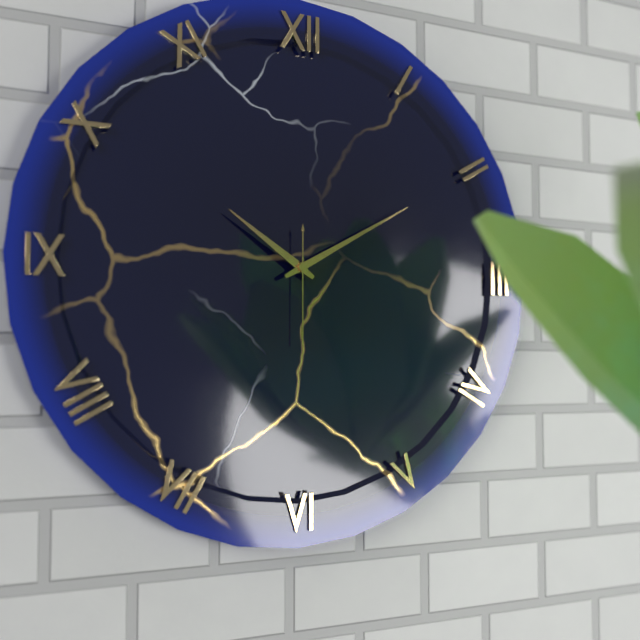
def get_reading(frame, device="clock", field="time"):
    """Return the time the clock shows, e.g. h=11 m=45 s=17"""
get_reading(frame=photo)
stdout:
h=10 m=10 s=30
